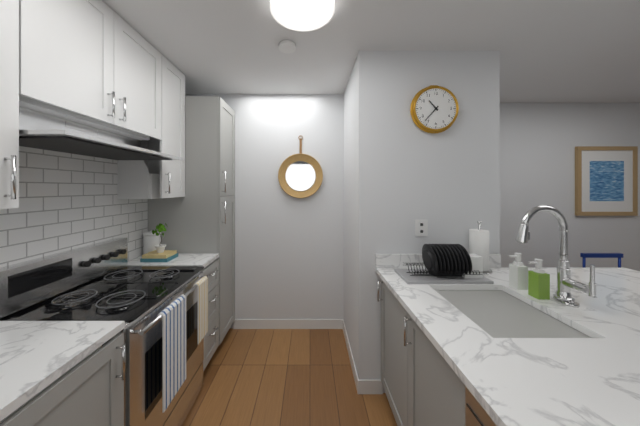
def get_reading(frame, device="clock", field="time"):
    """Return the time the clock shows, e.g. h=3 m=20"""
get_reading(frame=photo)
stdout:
h=10 m=37
